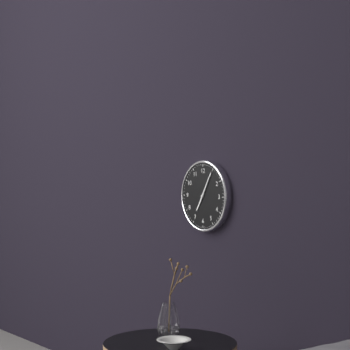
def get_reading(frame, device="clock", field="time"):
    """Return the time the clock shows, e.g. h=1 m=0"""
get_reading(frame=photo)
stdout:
h=7 m=5
